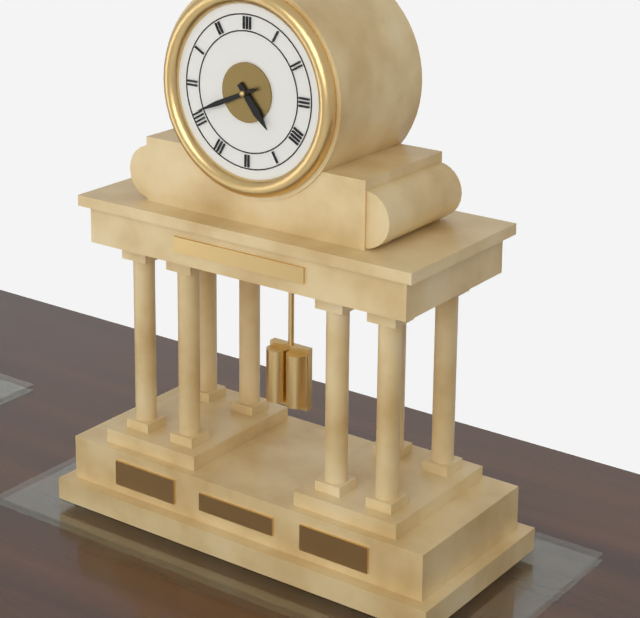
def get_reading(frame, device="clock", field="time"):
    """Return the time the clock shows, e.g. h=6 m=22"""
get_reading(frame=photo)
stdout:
h=4 m=41
